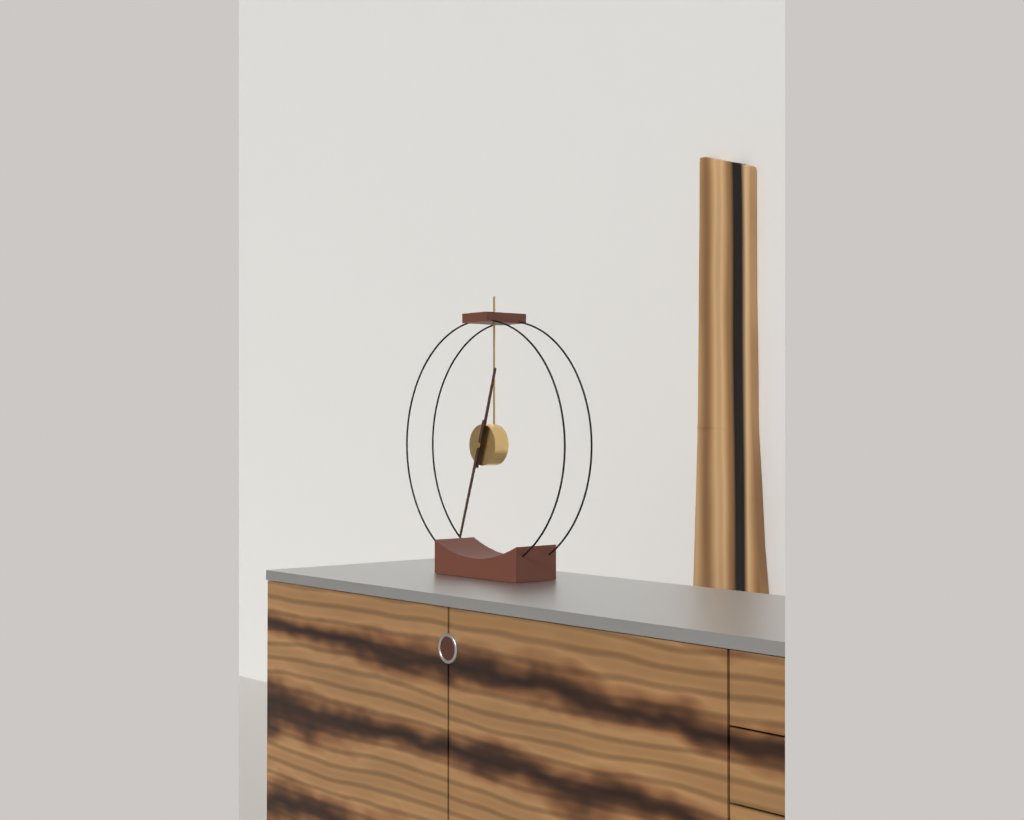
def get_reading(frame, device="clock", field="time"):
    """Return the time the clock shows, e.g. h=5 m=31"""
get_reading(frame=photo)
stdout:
h=12 m=33
